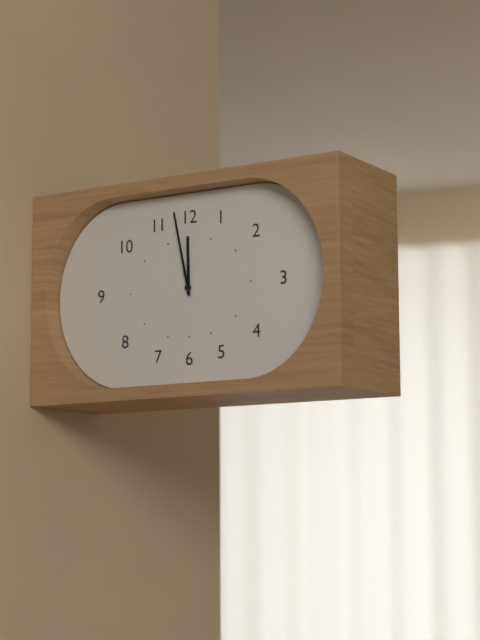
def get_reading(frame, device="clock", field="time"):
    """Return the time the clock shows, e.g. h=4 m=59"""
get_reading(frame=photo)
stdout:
h=11 m=58
